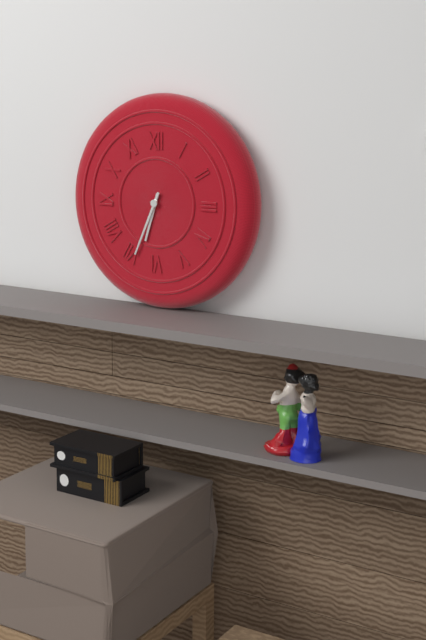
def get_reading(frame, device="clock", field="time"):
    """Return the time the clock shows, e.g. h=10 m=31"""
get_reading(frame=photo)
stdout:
h=6 m=34
